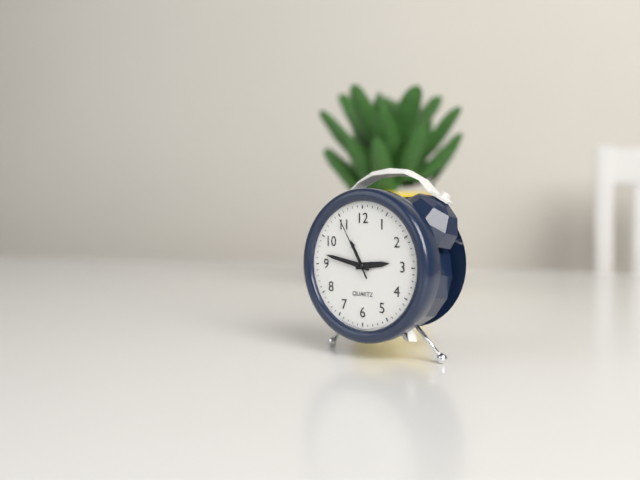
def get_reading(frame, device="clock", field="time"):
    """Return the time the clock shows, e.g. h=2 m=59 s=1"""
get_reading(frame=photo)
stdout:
h=2 m=47 s=55
